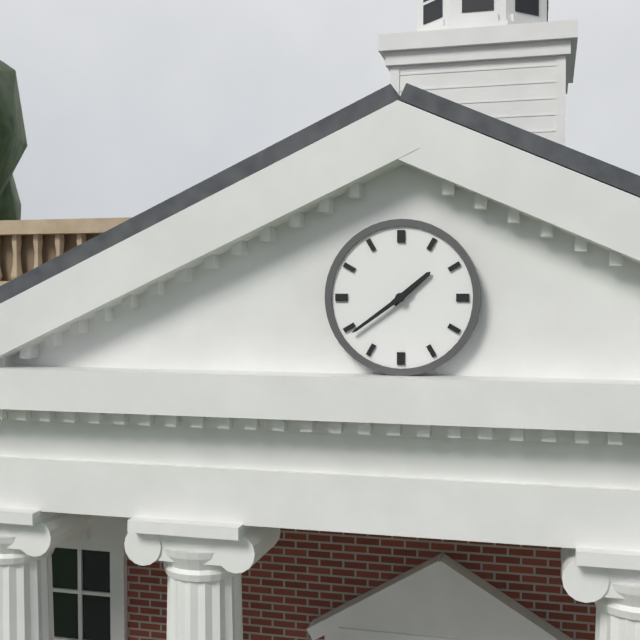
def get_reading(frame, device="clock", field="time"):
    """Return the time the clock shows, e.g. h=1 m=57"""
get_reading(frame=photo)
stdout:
h=1 m=39
